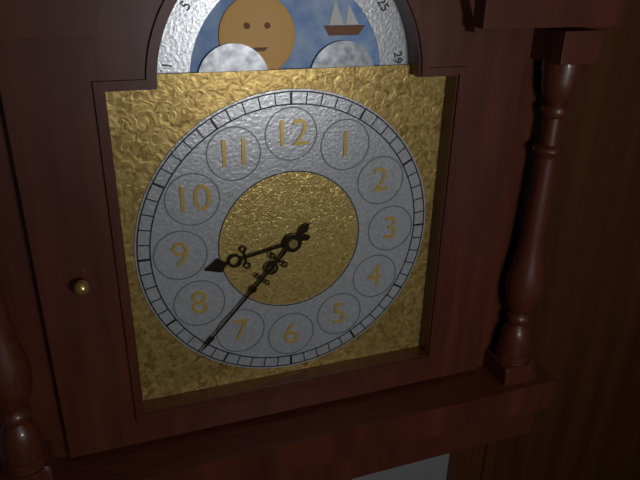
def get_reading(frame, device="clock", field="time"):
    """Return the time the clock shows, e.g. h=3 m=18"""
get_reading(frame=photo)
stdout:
h=8 m=37
